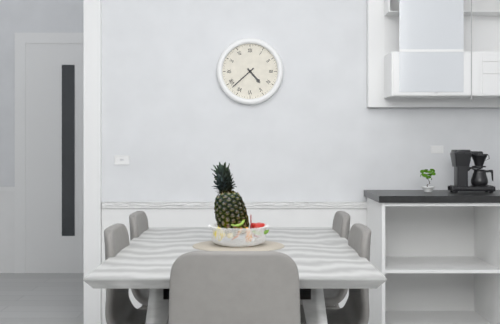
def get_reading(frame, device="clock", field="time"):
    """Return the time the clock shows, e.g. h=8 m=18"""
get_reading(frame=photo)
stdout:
h=4 m=38
